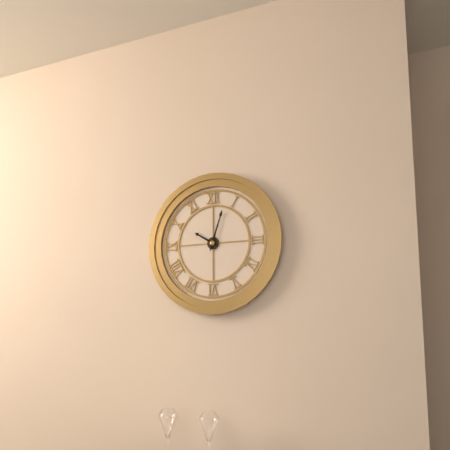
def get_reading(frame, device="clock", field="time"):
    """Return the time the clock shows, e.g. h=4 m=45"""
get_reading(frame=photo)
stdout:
h=10 m=3
